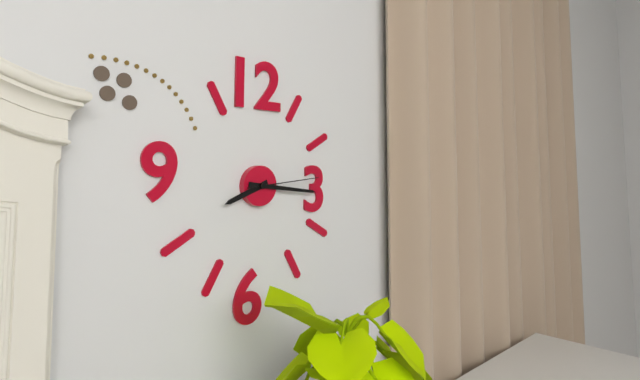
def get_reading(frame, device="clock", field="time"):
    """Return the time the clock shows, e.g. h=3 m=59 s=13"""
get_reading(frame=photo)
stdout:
h=8 m=16 s=14
